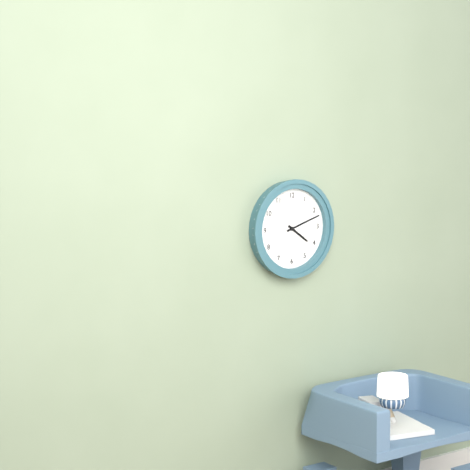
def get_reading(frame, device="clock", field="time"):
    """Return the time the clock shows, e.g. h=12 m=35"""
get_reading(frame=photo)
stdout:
h=4 m=12
